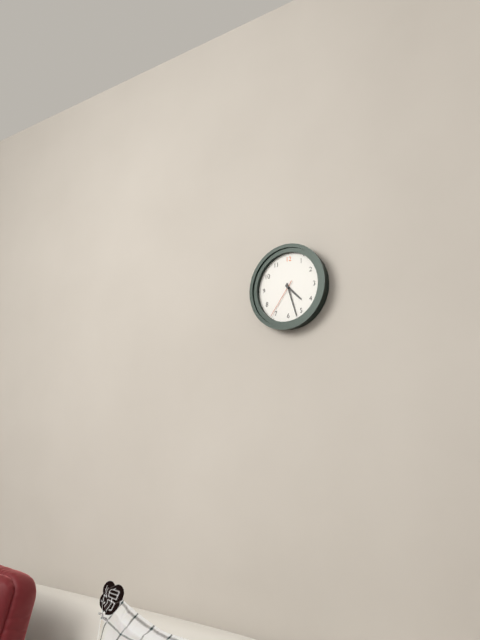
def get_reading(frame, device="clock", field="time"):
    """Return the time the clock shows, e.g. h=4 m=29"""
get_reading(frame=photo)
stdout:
h=4 m=27
